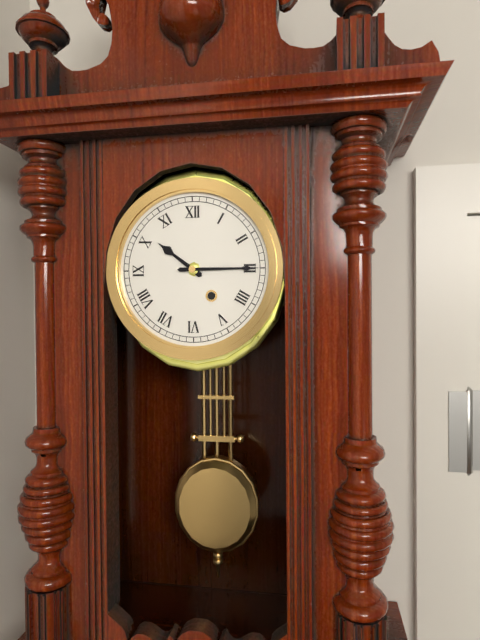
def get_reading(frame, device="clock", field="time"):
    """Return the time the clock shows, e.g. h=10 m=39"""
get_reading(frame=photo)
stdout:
h=10 m=15
